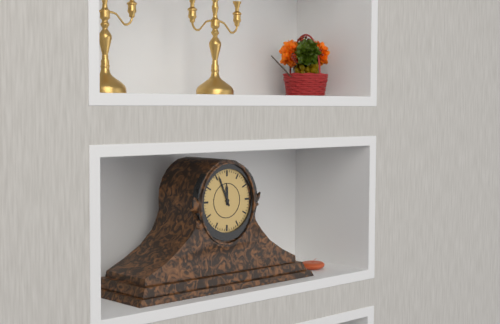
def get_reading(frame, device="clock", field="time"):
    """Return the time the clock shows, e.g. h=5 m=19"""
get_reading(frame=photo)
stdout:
h=11 m=56
